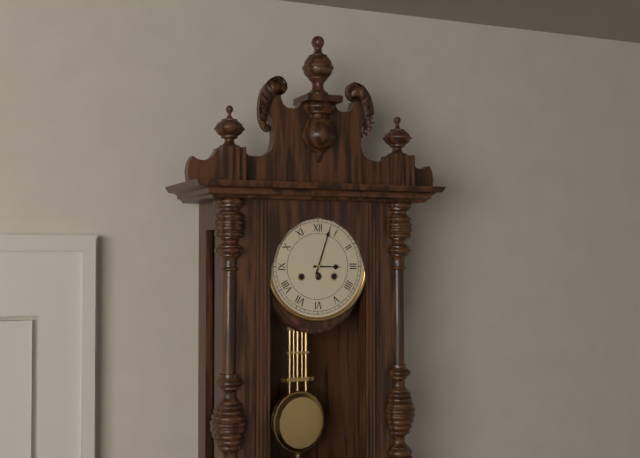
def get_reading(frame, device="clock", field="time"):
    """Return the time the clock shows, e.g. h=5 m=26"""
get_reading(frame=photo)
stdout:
h=3 m=3
